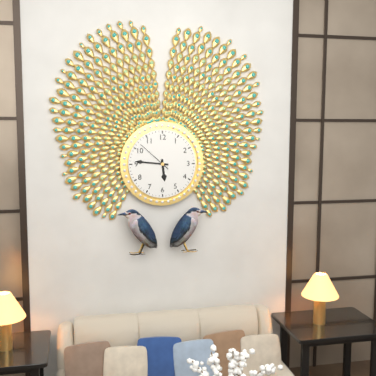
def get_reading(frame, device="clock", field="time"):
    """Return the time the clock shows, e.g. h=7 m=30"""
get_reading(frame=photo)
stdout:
h=5 m=46
